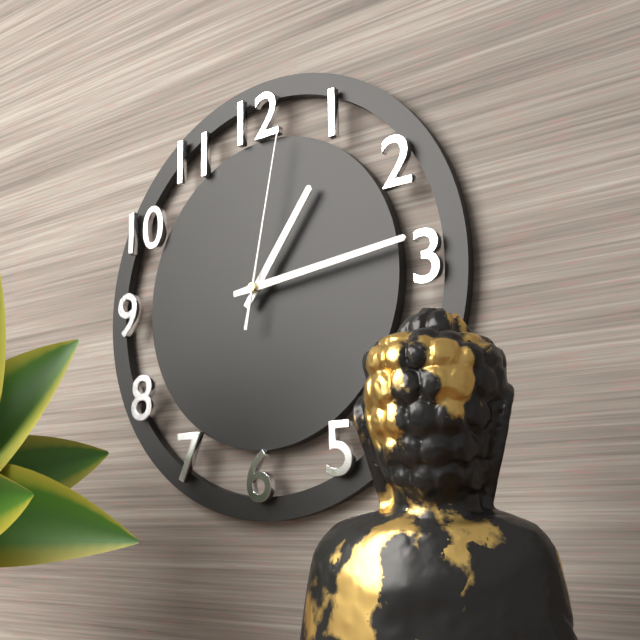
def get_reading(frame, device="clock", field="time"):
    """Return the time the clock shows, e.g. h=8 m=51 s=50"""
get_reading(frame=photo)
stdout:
h=1 m=14 s=2
